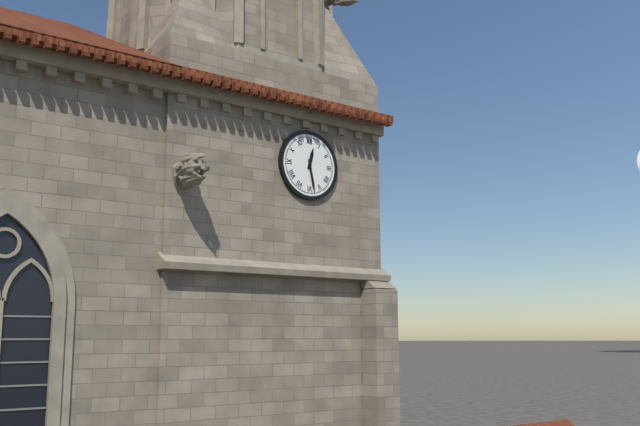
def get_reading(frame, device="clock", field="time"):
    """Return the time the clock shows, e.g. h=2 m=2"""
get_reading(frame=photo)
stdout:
h=12 m=28
